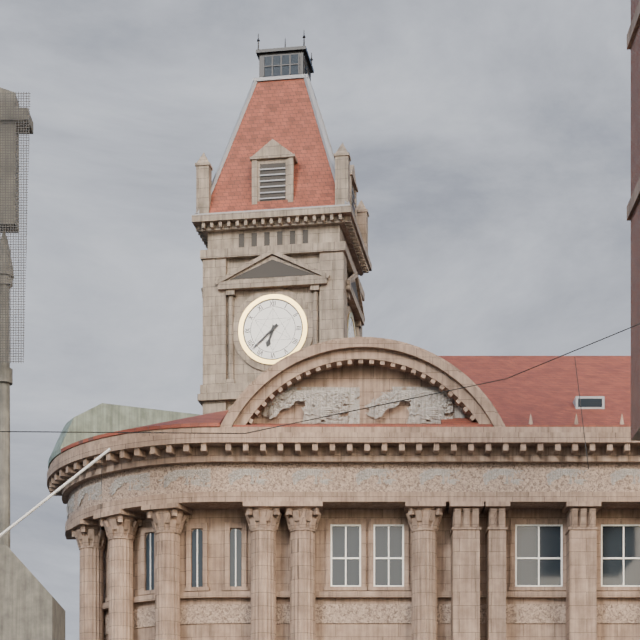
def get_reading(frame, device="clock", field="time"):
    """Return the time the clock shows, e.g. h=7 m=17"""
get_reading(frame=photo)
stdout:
h=6 m=38
